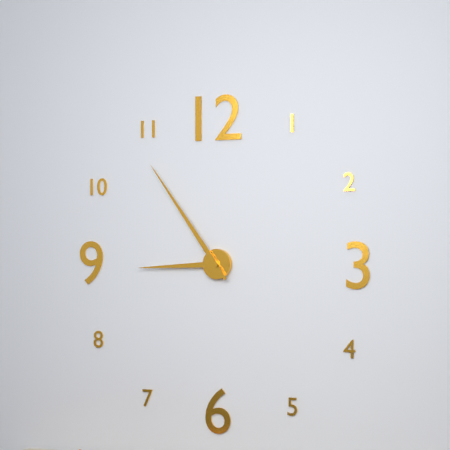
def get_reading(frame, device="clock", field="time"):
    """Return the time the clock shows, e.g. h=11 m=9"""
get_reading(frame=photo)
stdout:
h=8 m=54
